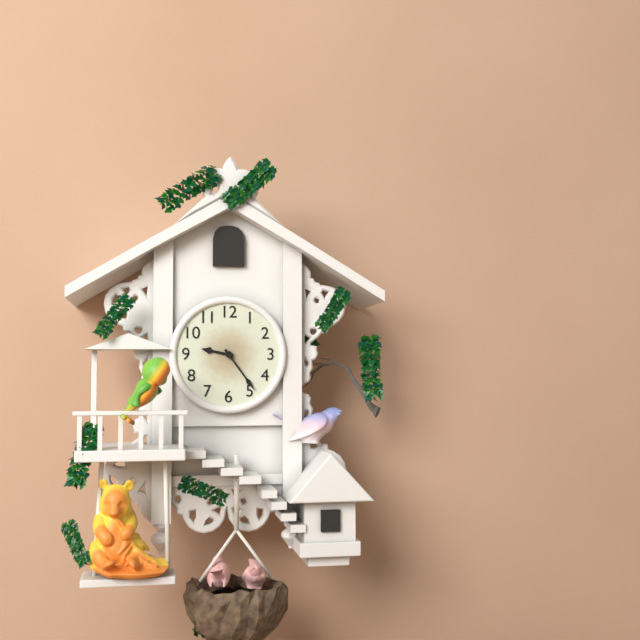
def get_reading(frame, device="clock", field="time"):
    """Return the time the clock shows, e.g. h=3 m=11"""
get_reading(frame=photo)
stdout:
h=9 m=24
